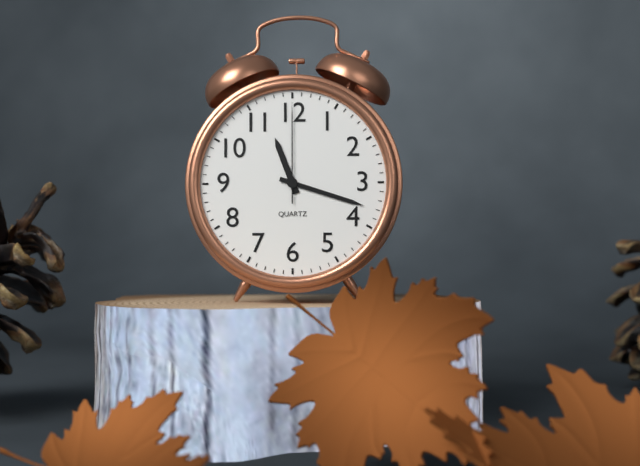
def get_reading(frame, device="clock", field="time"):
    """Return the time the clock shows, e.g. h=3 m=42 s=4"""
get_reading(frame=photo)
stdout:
h=11 m=18 s=0
